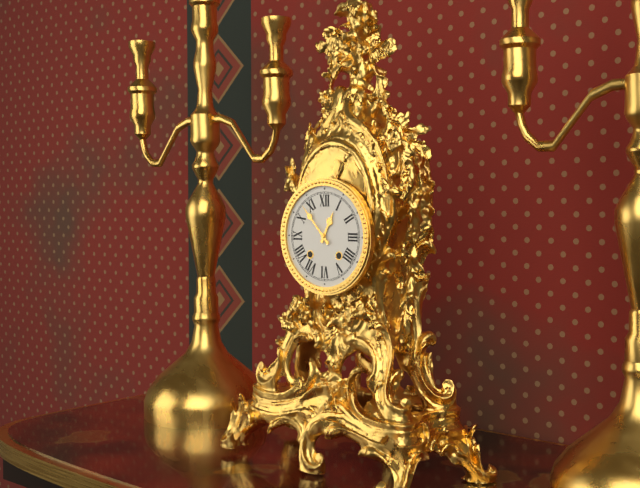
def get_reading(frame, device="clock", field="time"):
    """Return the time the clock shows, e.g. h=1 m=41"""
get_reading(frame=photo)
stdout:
h=12 m=53
